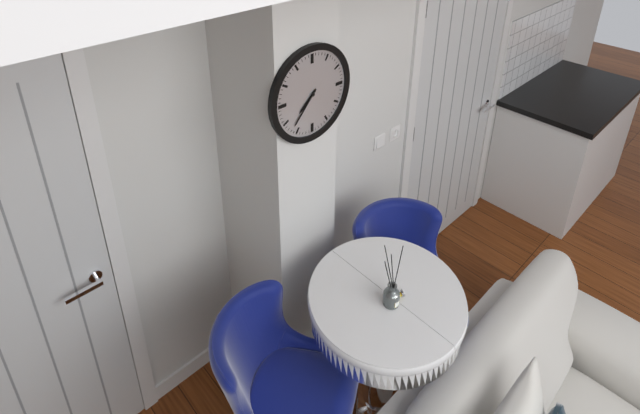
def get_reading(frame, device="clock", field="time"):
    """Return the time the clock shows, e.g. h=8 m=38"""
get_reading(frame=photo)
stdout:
h=7 m=37
